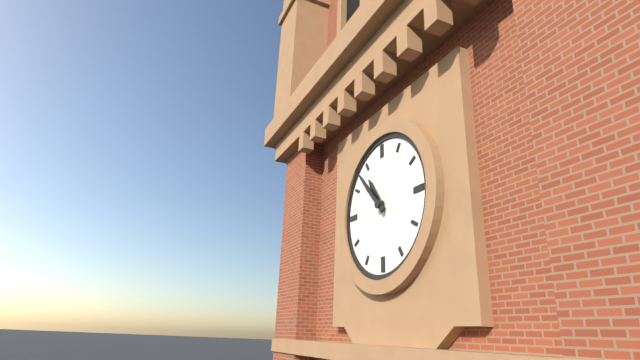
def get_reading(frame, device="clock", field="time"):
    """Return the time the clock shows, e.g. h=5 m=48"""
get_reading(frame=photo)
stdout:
h=10 m=53
